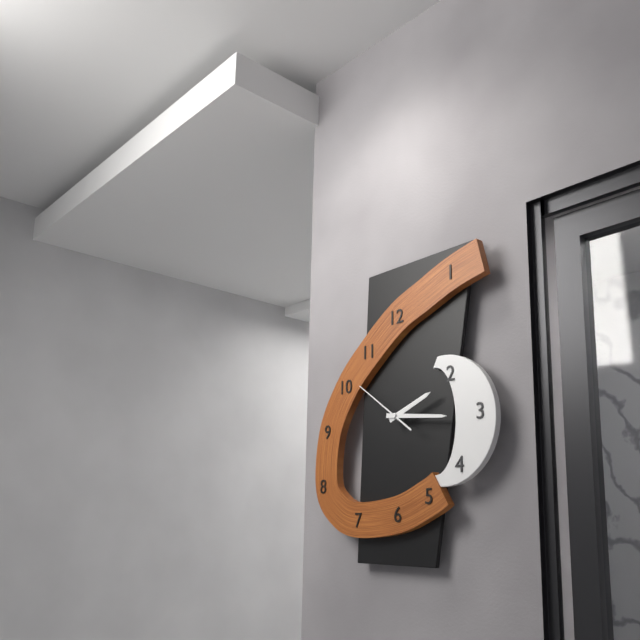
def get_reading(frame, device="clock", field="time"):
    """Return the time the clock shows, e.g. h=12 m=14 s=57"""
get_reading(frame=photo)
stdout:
h=2 m=16 s=51
